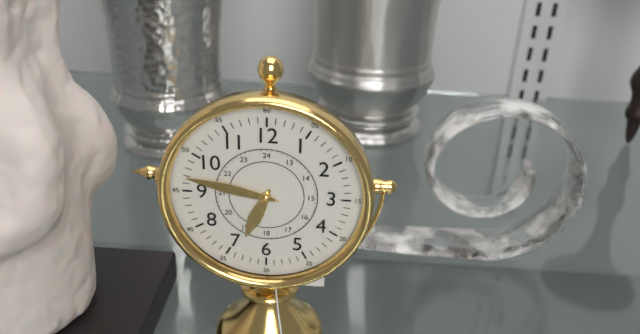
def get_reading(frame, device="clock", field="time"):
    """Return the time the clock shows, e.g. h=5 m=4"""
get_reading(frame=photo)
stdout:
h=6 m=47
